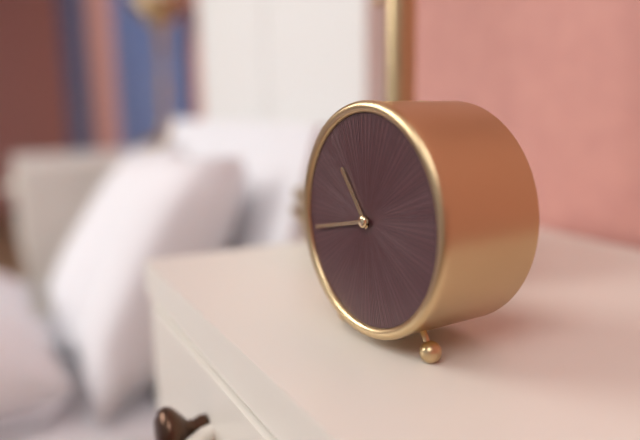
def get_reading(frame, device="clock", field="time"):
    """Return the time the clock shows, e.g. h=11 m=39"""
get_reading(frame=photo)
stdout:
h=10 m=43
